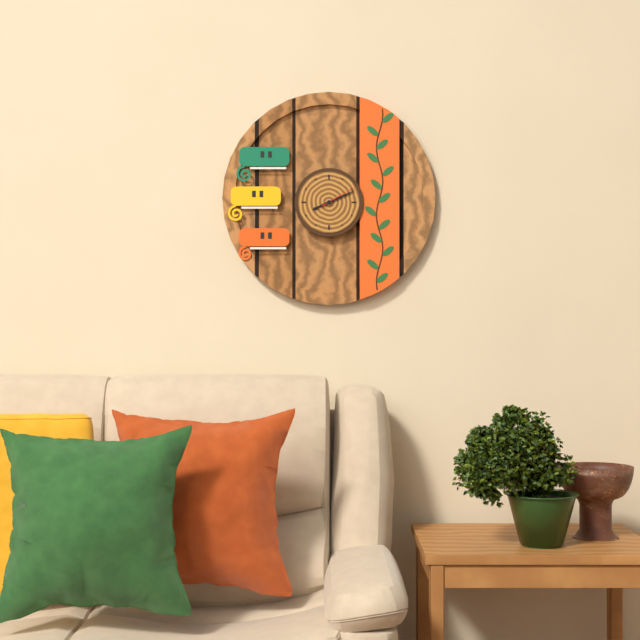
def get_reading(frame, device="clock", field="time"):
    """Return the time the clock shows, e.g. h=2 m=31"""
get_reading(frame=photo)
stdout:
h=8 m=11
